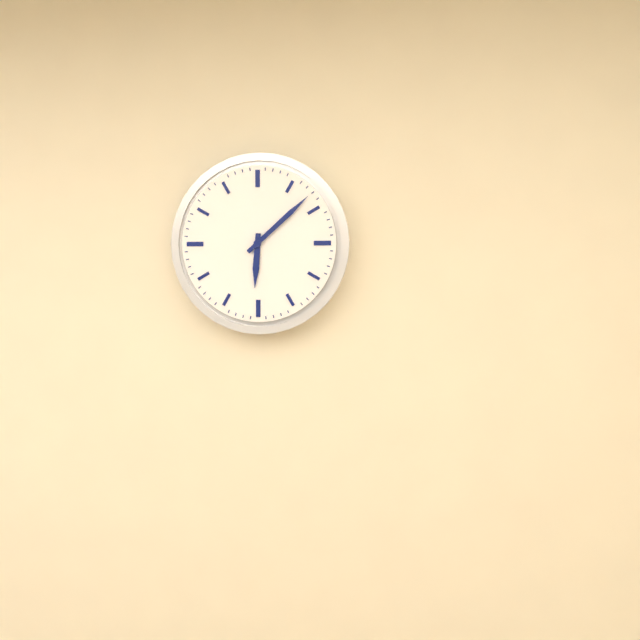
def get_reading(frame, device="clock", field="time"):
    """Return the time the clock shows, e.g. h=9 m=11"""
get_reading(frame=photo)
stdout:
h=6 m=8
